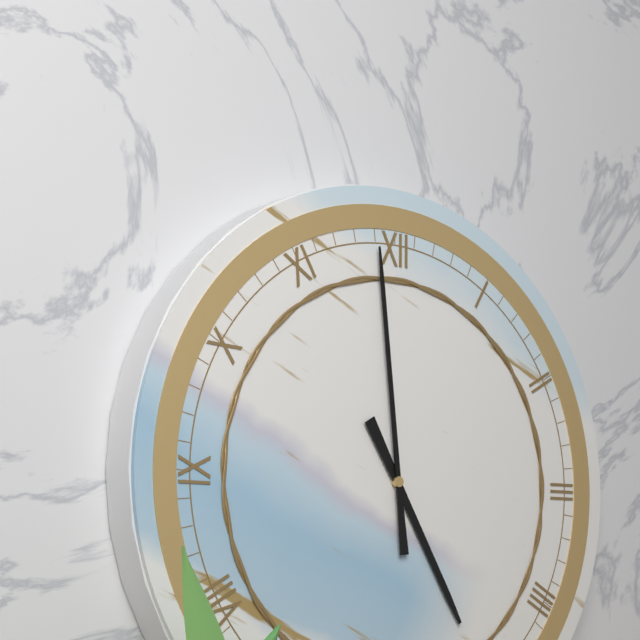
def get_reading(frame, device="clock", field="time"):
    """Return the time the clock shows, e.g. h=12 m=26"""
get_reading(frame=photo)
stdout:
h=4 m=59
